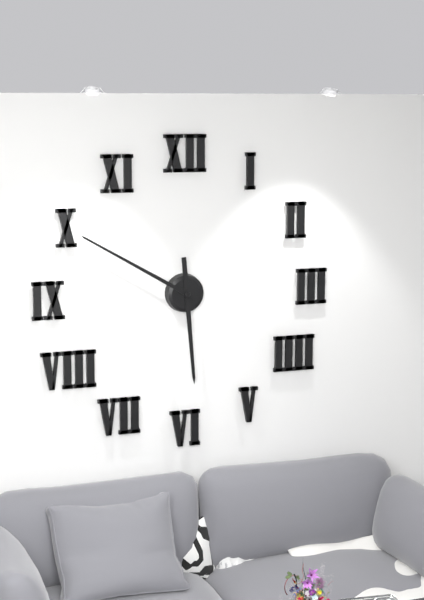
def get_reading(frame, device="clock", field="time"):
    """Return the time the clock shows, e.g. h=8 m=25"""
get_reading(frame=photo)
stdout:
h=5 m=50
